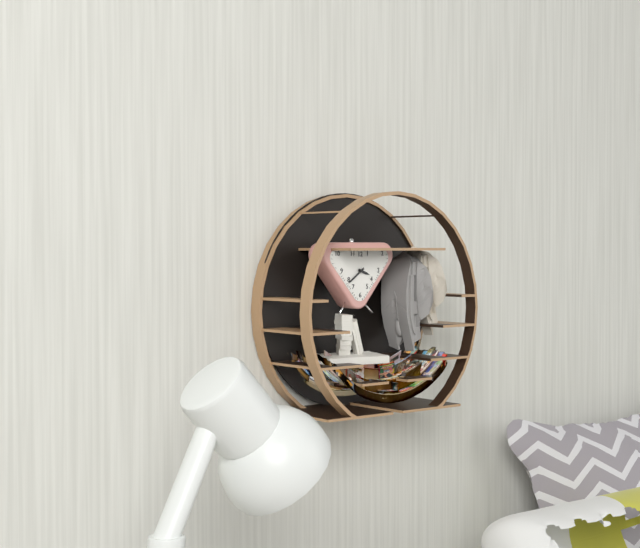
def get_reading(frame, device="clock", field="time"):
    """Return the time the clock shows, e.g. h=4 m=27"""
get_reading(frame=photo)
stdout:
h=3 m=39
